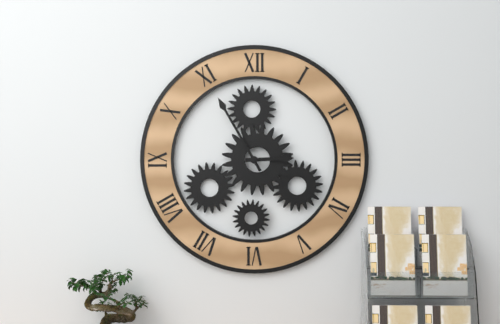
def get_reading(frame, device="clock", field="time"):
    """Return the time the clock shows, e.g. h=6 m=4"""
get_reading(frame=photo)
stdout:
h=2 m=55
